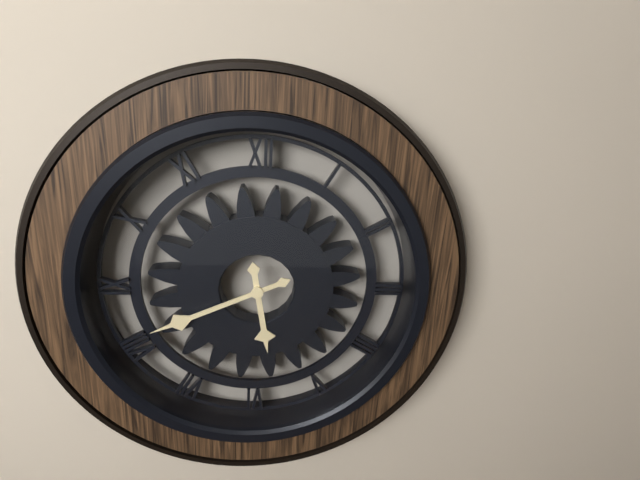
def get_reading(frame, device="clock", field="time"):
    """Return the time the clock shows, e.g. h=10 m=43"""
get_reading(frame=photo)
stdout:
h=5 m=41
